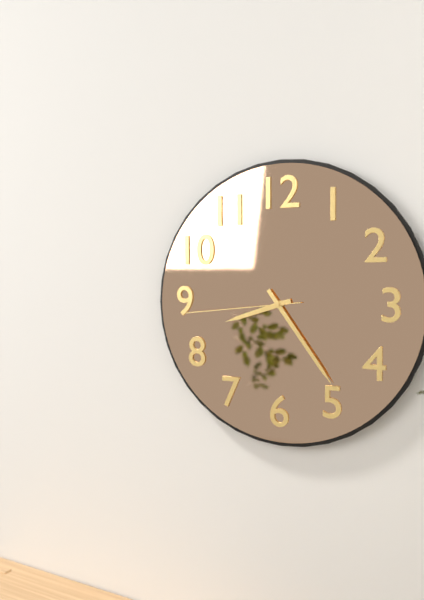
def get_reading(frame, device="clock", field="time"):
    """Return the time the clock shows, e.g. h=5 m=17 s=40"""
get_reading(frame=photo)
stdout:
h=8 m=24 s=44
